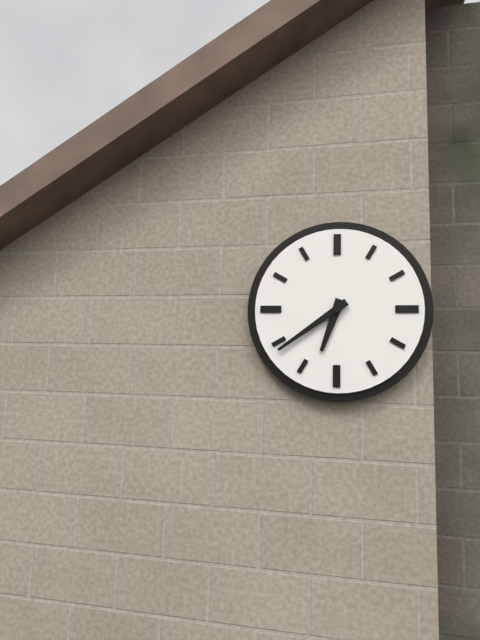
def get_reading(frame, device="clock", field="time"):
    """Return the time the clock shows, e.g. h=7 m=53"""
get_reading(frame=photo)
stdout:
h=6 m=39
